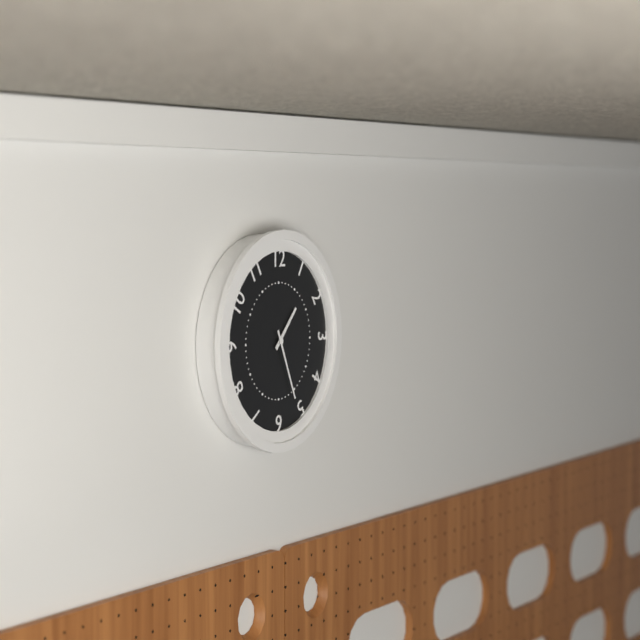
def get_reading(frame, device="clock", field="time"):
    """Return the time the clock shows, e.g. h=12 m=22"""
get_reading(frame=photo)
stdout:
h=1 m=26
